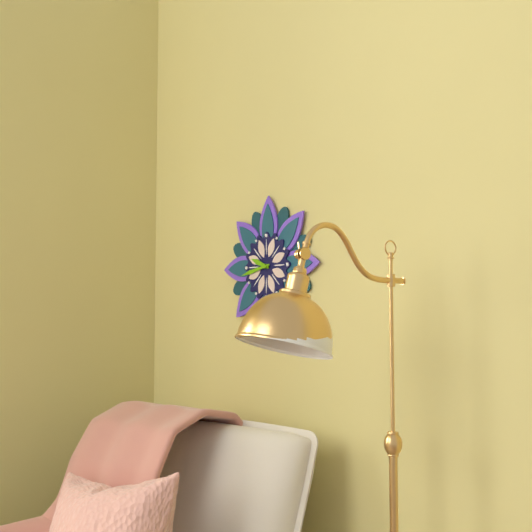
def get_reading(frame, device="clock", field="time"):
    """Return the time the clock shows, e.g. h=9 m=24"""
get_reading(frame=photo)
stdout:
h=9 m=43
